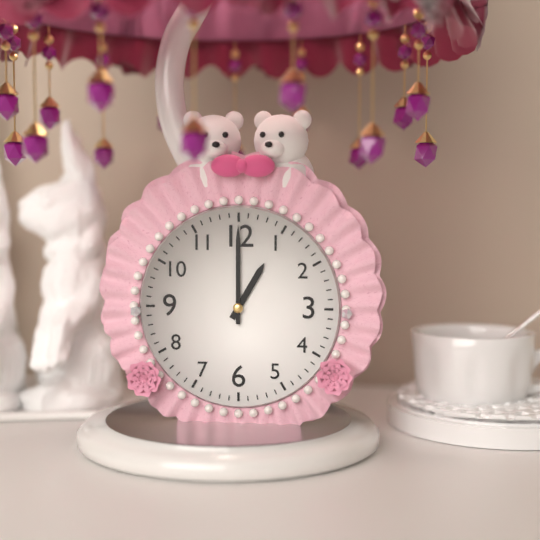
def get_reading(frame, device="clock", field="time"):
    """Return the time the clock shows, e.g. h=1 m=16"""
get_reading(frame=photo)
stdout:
h=1 m=0
